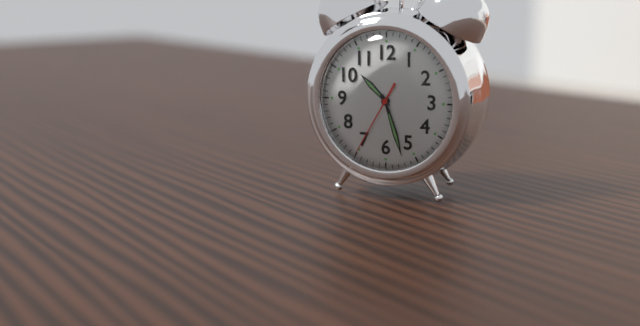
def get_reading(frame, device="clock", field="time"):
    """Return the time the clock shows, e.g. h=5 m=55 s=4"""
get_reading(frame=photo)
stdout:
h=10 m=27 s=35
